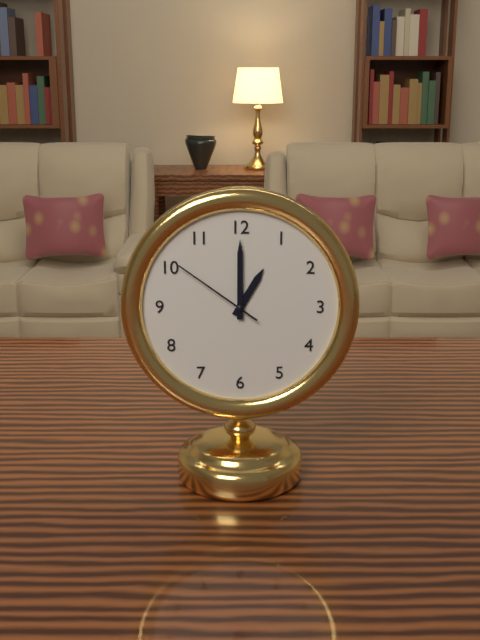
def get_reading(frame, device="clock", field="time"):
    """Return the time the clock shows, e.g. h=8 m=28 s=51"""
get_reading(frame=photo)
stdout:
h=1 m=0 s=51
